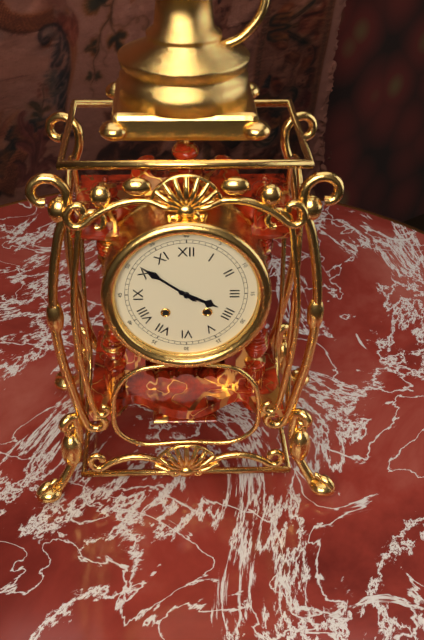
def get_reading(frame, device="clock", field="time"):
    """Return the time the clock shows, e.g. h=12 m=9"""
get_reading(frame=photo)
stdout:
h=3 m=51
